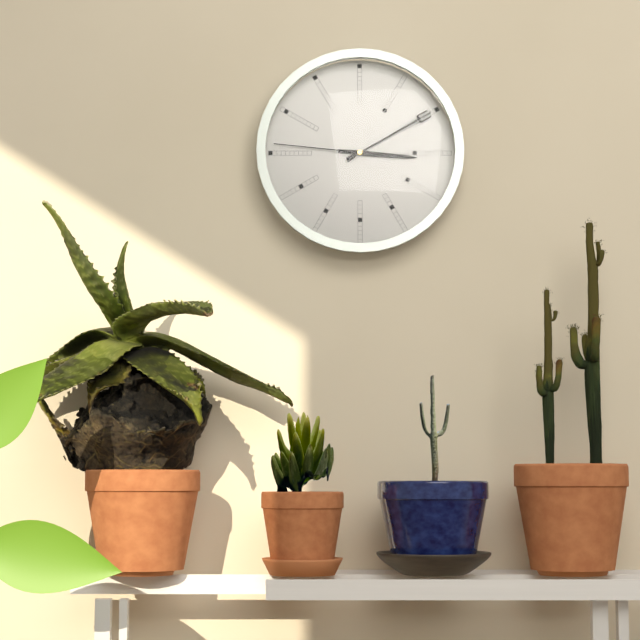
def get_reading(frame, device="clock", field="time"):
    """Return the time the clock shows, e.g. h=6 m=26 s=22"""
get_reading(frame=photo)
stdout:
h=3 m=10 s=46
